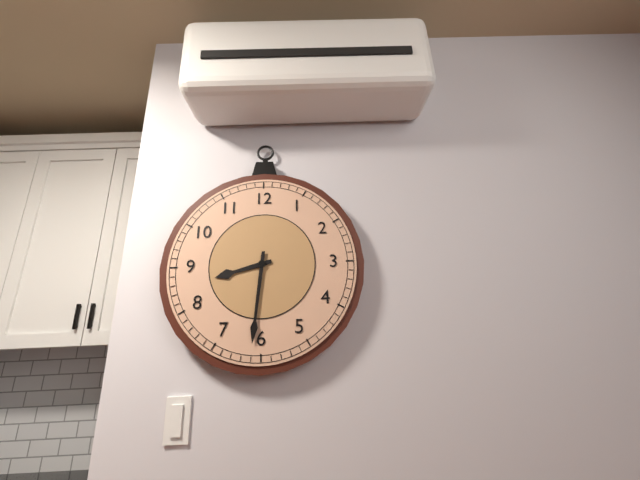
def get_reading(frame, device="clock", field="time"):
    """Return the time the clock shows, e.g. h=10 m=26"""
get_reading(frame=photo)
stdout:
h=8 m=31
